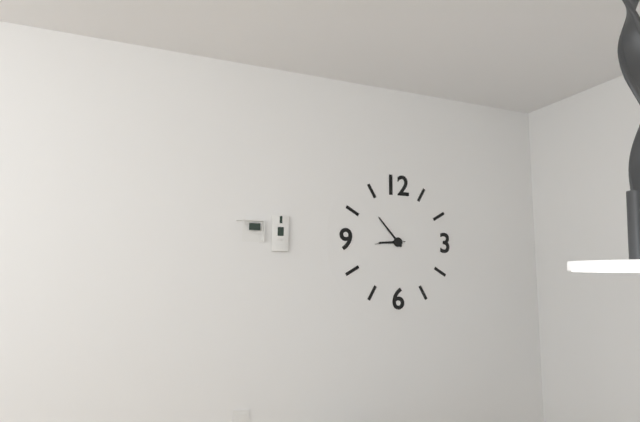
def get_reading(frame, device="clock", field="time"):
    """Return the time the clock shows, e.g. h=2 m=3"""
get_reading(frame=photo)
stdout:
h=8 m=53
